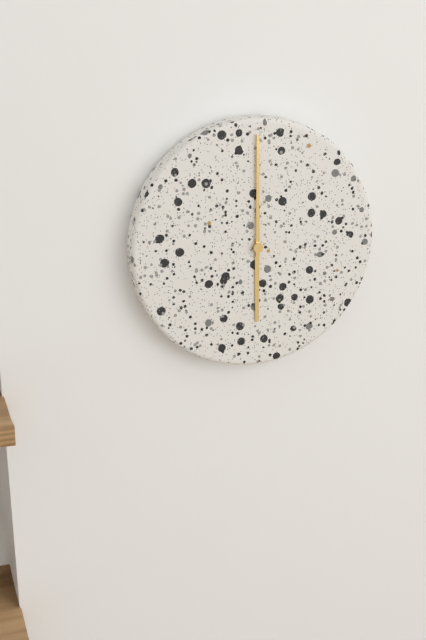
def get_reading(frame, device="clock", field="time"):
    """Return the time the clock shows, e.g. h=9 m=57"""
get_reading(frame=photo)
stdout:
h=6 m=0
